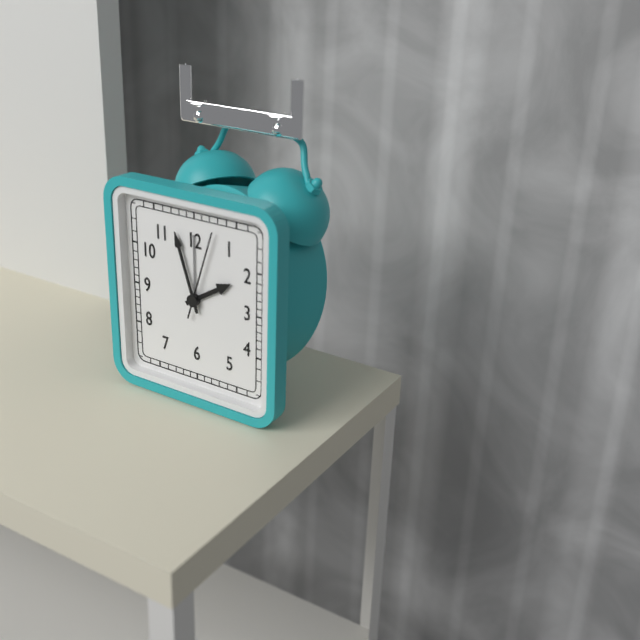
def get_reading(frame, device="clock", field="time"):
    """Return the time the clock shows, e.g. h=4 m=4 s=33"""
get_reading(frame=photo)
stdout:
h=1 m=57 s=3
